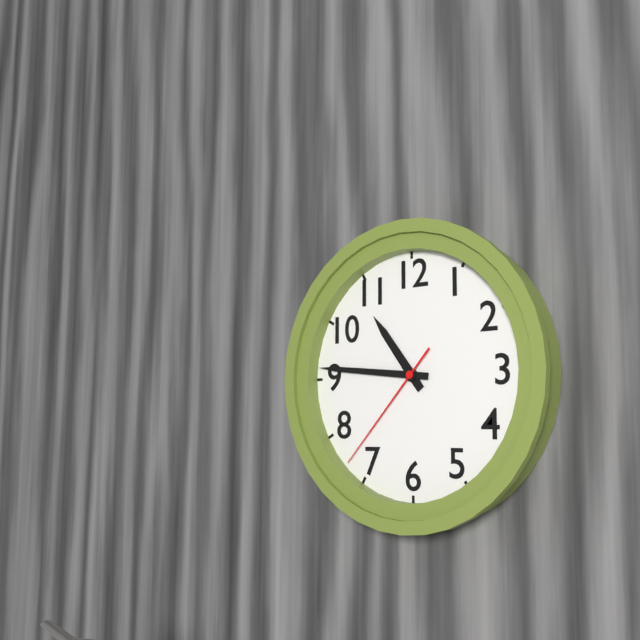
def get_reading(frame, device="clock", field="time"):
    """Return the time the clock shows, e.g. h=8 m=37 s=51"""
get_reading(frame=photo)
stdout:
h=10 m=46 s=37
